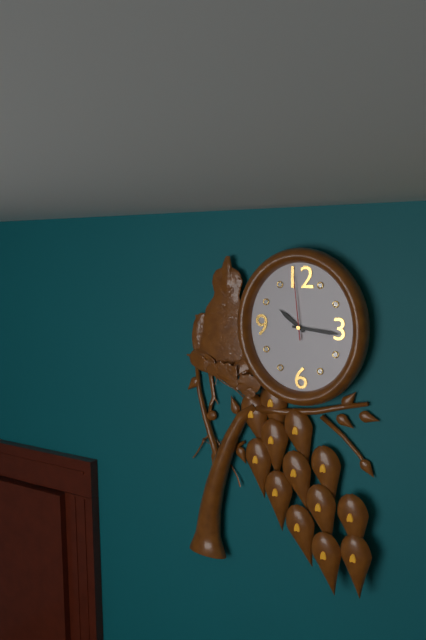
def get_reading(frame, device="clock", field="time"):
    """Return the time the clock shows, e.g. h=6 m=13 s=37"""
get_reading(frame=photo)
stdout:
h=10 m=16 s=59
